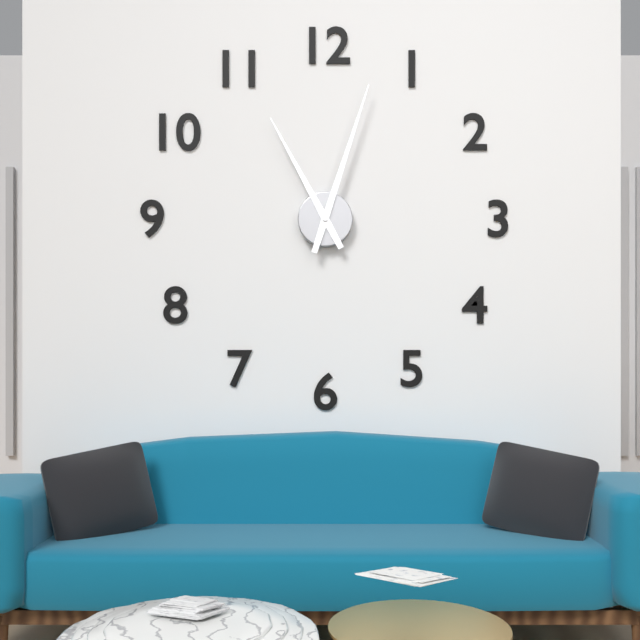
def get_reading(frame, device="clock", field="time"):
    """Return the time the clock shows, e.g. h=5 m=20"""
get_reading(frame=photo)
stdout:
h=11 m=3
